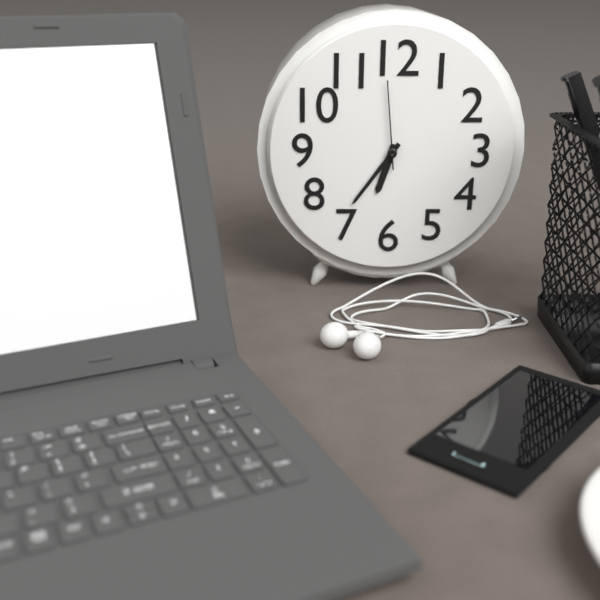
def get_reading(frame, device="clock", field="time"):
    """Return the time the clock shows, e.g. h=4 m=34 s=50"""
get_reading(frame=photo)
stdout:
h=6 m=36 s=59
